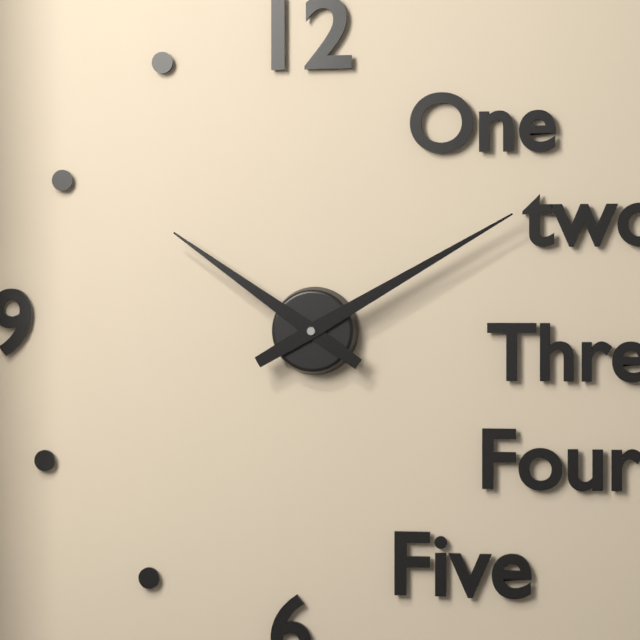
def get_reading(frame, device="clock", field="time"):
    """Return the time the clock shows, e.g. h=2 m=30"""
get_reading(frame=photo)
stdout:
h=10 m=10
